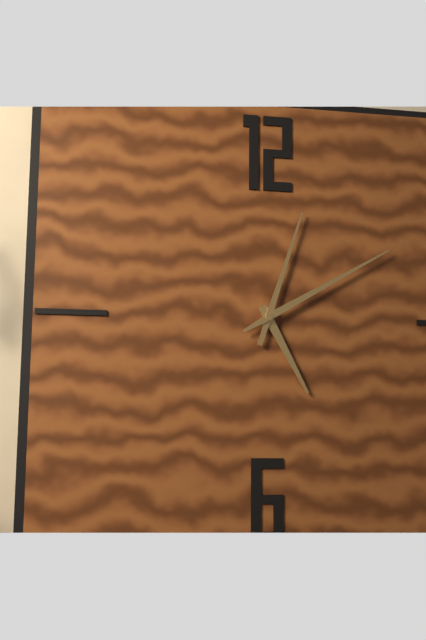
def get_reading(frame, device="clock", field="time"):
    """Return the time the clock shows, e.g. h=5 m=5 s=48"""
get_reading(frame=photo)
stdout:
h=5 m=3 s=10
